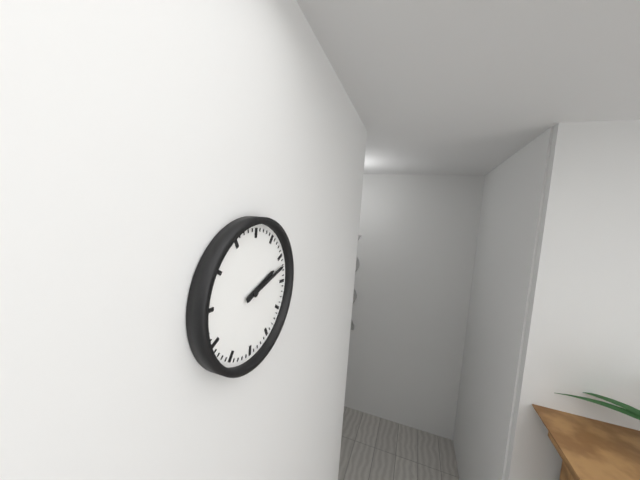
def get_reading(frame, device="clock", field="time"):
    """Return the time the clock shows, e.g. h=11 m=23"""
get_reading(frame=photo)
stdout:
h=2 m=12
